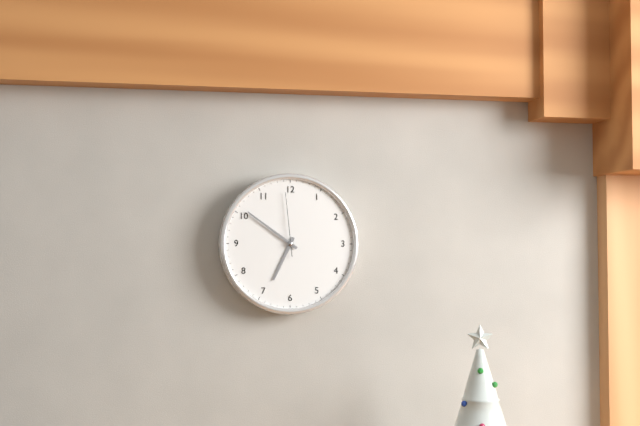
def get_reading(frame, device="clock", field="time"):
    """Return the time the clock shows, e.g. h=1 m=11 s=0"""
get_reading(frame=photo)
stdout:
h=6 m=51 s=59
